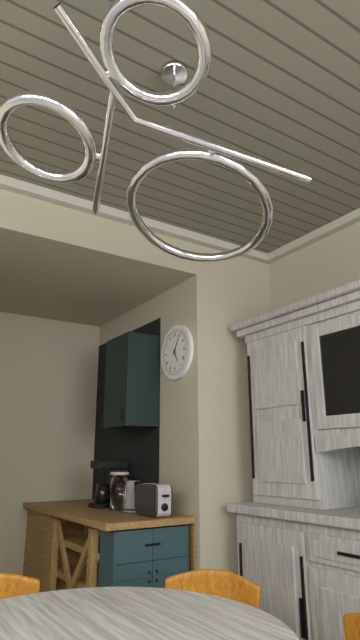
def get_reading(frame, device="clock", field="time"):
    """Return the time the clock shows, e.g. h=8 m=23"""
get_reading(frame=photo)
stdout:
h=5 m=5
